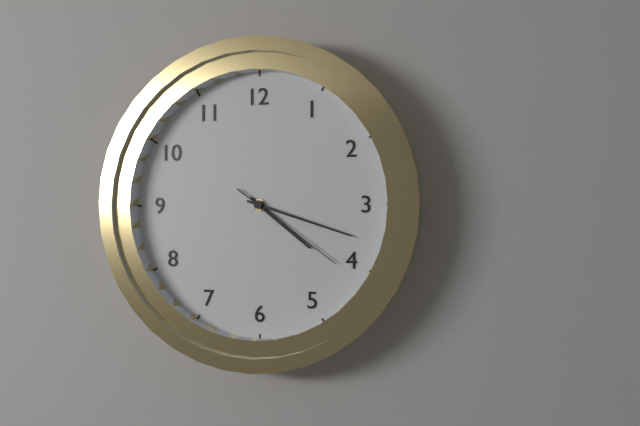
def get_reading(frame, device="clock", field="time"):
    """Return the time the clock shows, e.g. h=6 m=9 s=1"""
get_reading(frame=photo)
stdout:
h=4 m=18 s=21
